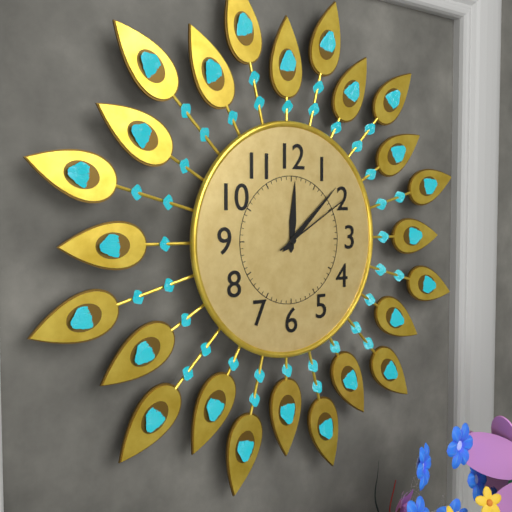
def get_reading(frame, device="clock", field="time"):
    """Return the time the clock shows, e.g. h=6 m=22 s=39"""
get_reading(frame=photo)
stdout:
h=12 m=8 s=10
